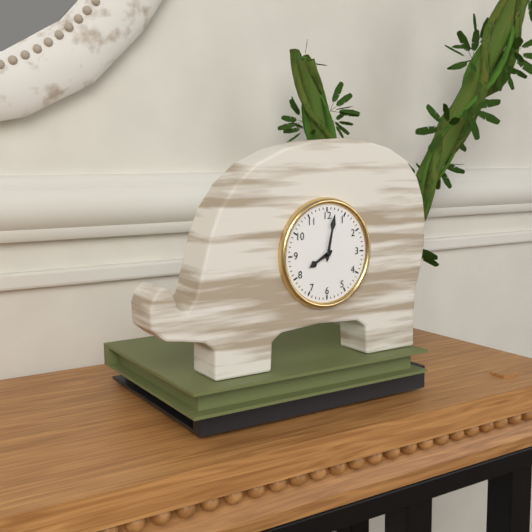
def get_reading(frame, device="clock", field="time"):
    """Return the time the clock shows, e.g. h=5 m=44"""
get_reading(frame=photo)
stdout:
h=8 m=2
